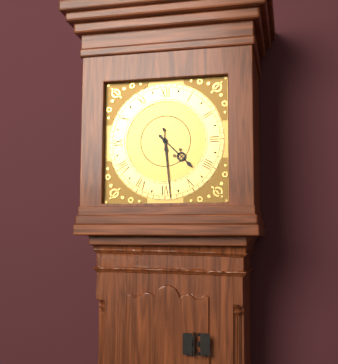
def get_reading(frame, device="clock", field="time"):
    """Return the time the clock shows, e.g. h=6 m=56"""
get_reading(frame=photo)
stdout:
h=4 m=29
